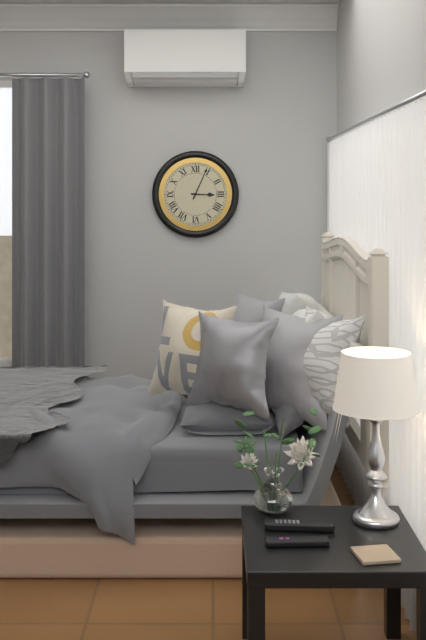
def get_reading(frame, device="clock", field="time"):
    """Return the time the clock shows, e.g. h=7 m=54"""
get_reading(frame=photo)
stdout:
h=3 m=4
